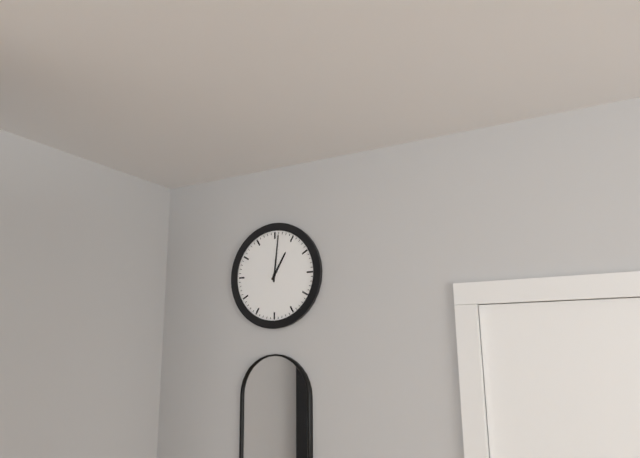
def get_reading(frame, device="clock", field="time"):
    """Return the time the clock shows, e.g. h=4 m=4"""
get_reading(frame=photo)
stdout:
h=1 m=1
